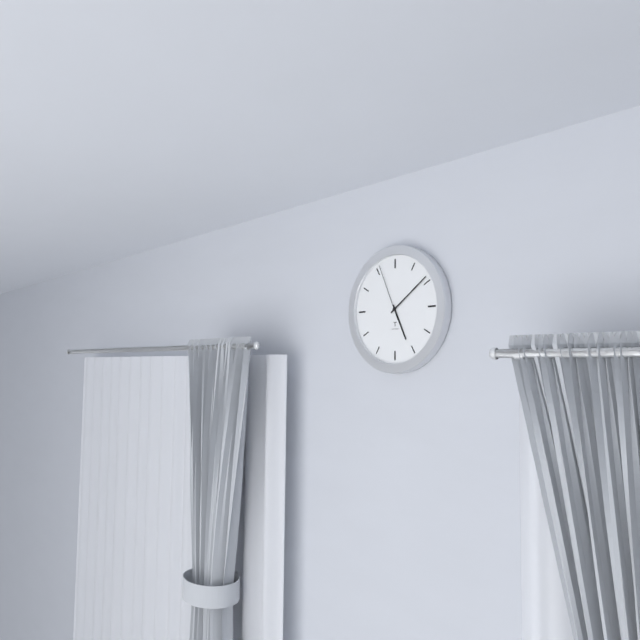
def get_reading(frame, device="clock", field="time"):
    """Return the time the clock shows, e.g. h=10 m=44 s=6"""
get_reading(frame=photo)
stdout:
h=5 m=9 s=56
